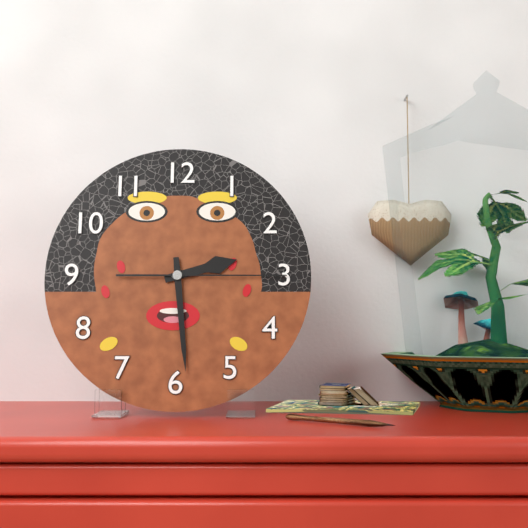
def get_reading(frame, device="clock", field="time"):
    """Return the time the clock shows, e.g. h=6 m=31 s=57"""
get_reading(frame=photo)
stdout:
h=2 m=29 s=15
